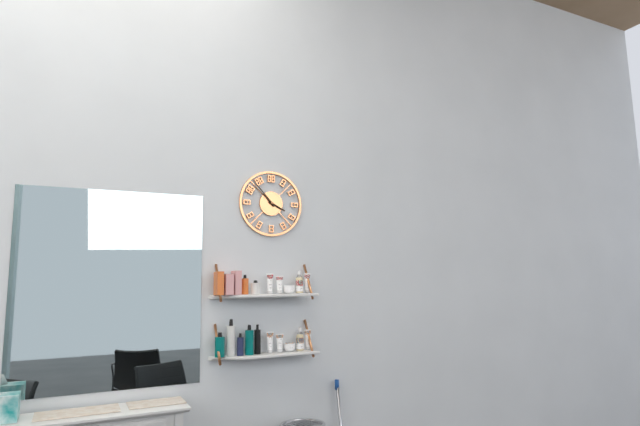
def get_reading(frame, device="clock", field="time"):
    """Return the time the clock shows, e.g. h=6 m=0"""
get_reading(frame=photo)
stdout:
h=3 m=53
